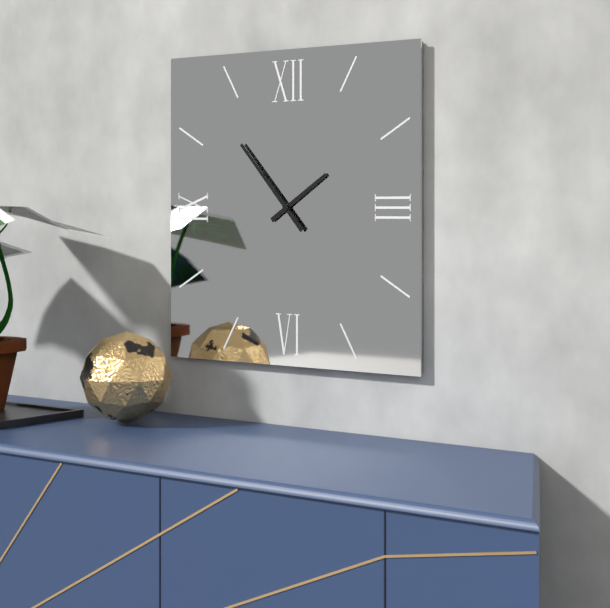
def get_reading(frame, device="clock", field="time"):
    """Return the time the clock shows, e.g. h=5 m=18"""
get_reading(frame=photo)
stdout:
h=1 m=53
